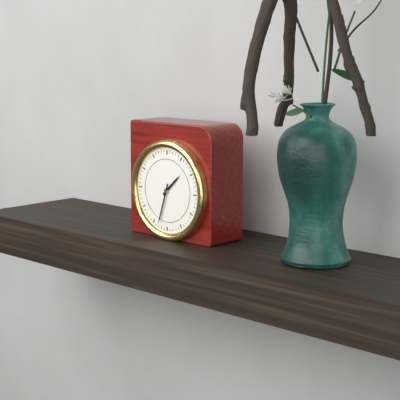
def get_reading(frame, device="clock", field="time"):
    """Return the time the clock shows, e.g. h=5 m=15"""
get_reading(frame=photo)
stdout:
h=1 m=33
